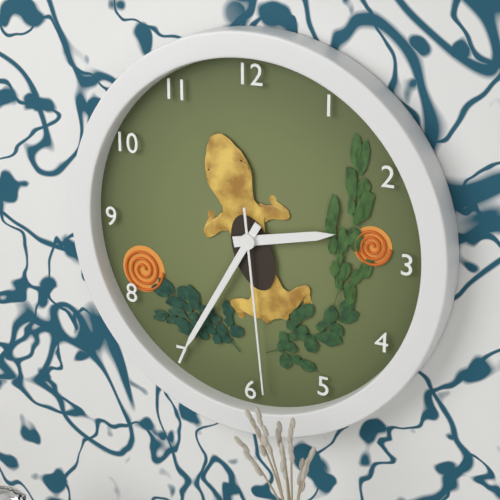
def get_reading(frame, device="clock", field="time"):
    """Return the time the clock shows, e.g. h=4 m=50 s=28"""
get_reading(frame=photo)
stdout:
h=2 m=35 s=29
